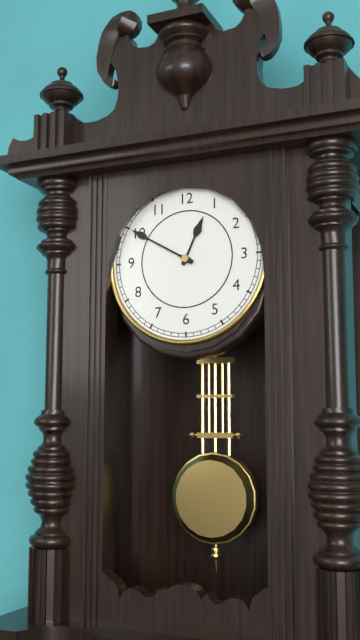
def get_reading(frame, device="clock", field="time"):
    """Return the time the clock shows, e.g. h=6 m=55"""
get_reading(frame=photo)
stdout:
h=12 m=50
